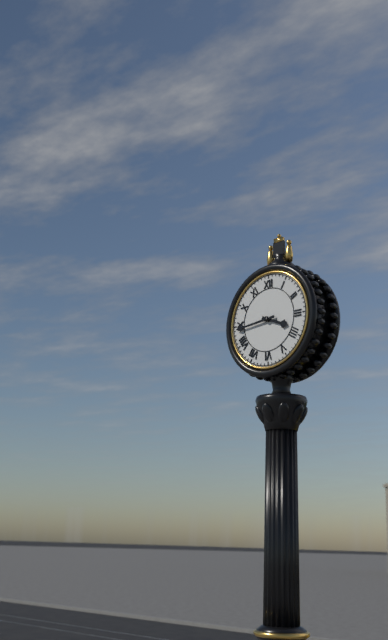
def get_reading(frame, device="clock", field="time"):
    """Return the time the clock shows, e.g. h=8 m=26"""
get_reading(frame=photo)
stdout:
h=3 m=44
